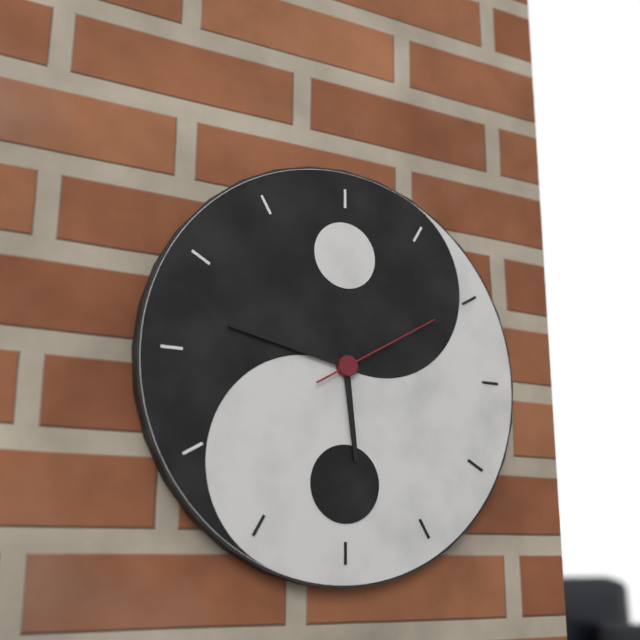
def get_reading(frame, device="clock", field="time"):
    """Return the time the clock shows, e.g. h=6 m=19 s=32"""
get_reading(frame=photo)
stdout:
h=5 m=47 s=10
